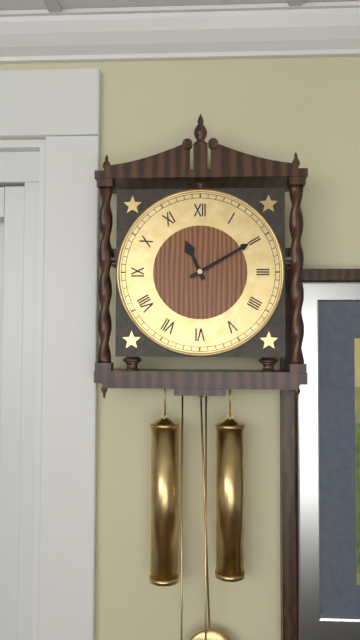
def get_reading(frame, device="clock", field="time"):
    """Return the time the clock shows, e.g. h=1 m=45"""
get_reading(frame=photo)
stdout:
h=11 m=10
